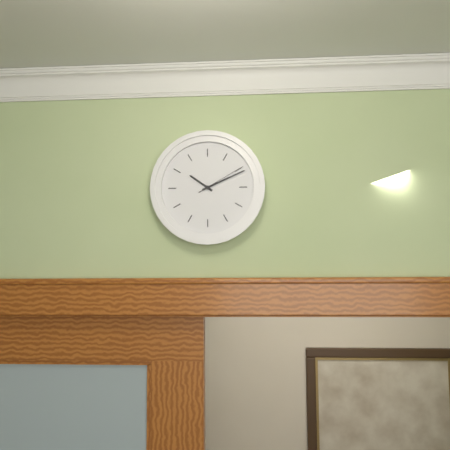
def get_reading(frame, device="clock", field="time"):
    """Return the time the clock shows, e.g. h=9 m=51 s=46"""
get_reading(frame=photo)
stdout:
h=10 m=11 s=10
